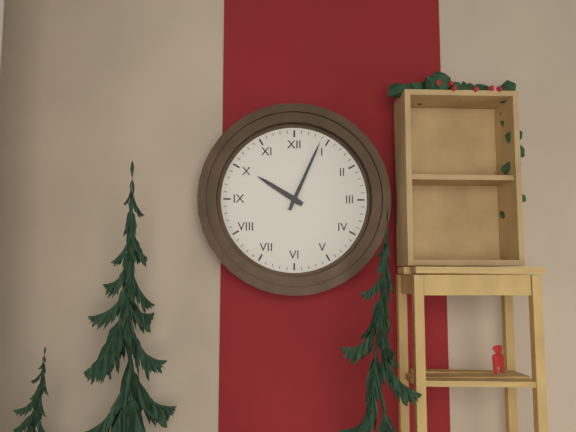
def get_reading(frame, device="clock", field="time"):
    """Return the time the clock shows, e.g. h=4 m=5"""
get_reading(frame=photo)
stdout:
h=10 m=4
